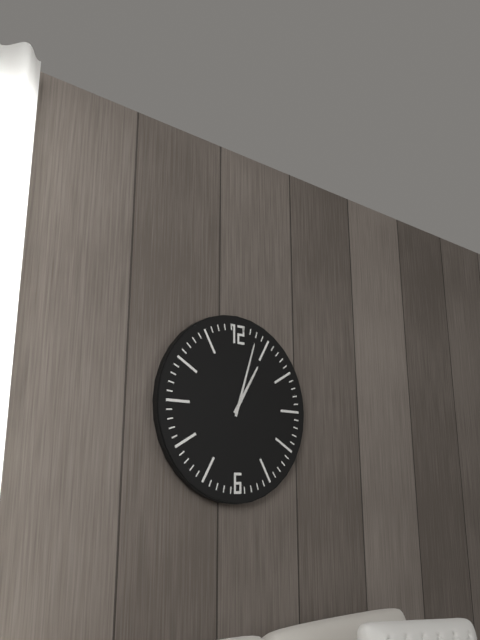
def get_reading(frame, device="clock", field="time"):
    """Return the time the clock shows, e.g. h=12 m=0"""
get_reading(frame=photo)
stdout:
h=1 m=3
